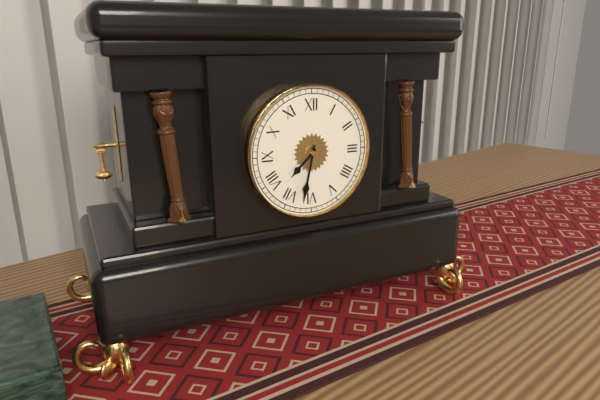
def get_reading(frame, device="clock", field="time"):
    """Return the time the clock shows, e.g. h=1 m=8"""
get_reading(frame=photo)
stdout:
h=7 m=32
